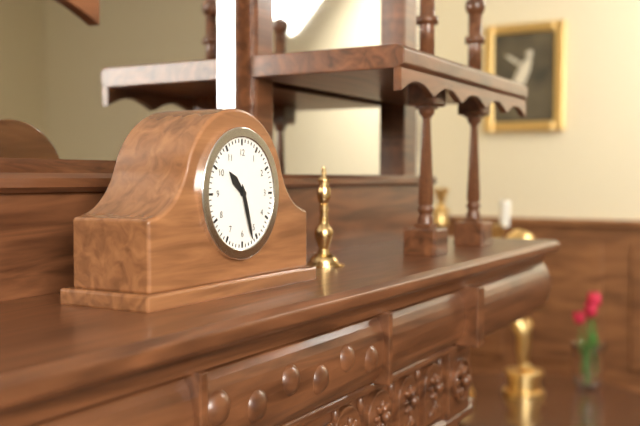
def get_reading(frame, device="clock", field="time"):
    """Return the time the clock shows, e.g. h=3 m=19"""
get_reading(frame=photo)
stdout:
h=10 m=27
